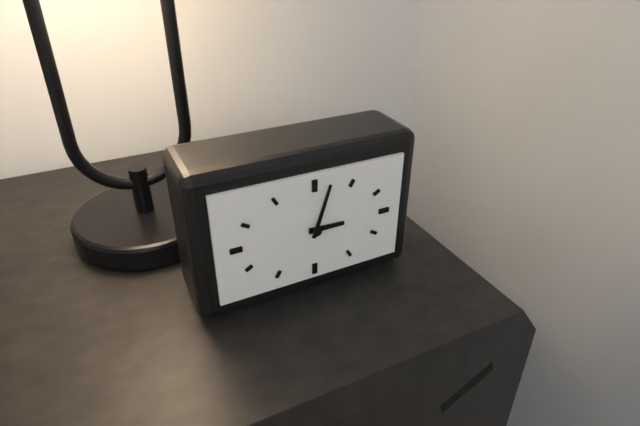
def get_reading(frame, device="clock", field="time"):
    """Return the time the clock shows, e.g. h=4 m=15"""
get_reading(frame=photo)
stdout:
h=3 m=3
